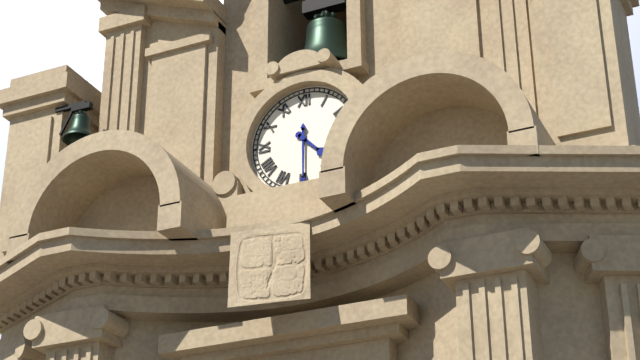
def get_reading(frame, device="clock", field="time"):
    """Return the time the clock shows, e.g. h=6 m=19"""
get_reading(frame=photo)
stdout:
h=4 m=30
